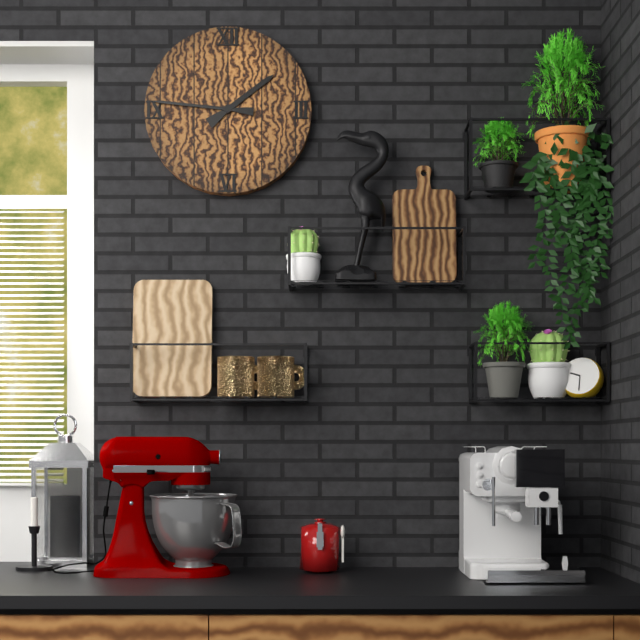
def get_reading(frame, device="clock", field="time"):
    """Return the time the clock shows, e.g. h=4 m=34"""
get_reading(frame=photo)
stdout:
h=1 m=46
